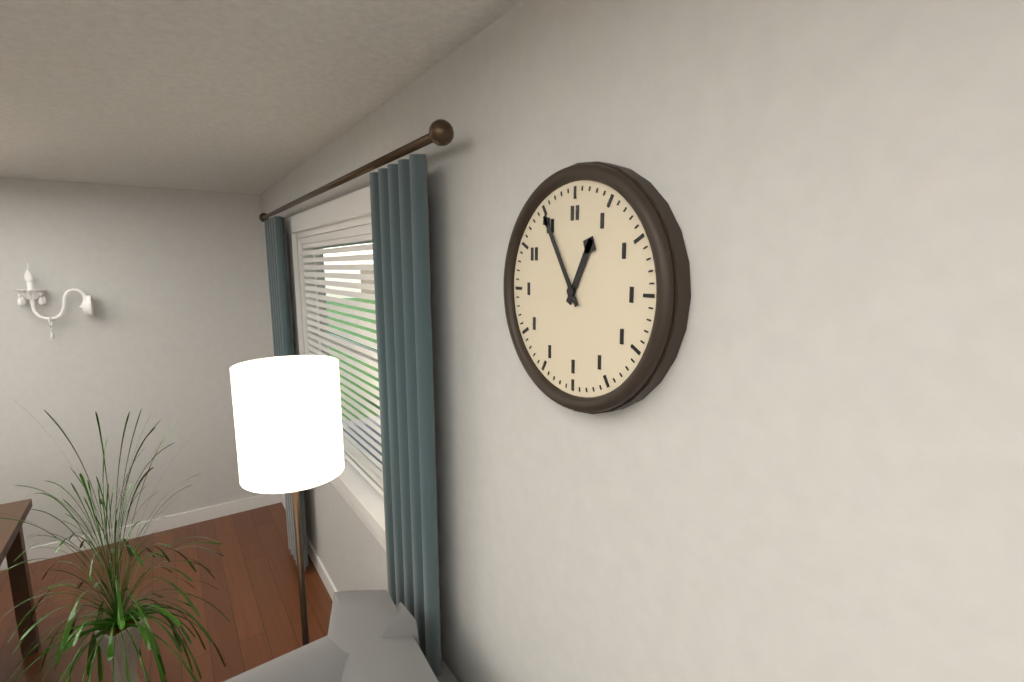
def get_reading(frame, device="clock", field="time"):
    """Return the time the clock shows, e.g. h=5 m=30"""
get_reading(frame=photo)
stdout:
h=12 m=55
